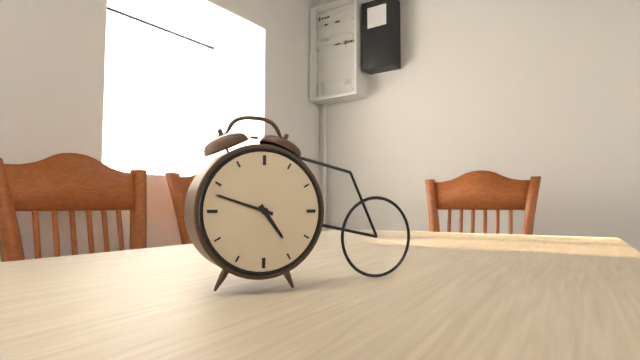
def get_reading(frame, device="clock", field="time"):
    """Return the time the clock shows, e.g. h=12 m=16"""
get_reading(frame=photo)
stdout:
h=4 m=48
